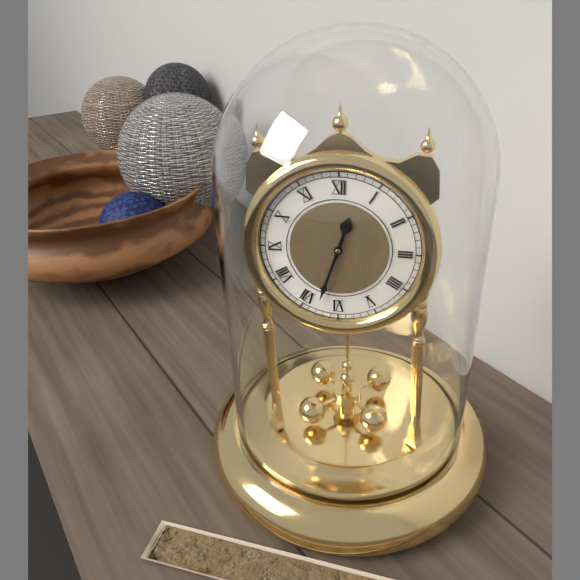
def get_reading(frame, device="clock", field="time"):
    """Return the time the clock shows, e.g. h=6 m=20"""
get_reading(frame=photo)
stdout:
h=12 m=33
